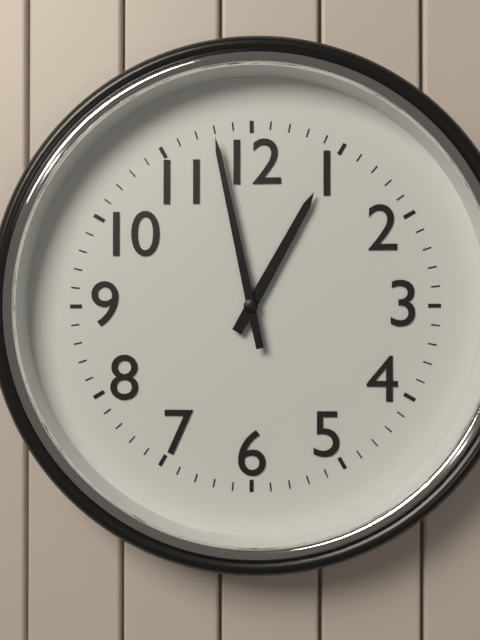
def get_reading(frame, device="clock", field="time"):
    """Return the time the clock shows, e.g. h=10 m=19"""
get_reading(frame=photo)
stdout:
h=12 m=58
